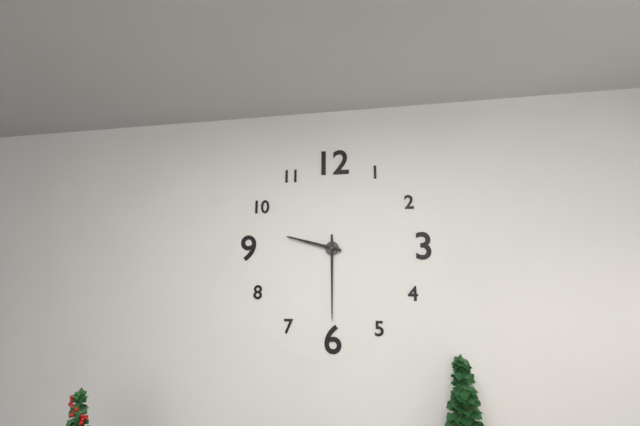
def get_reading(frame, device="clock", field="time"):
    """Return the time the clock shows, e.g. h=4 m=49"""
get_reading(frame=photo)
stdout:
h=9 m=30
